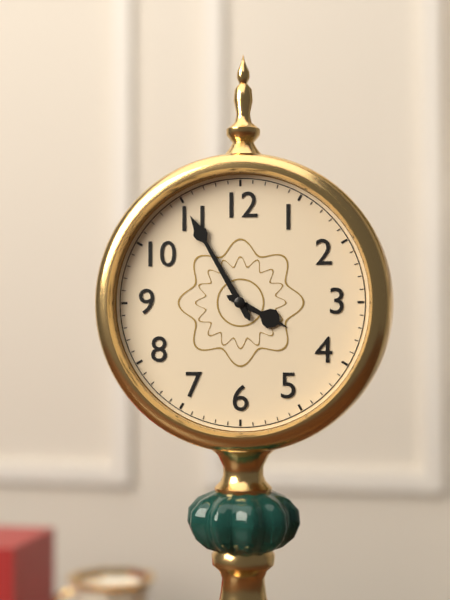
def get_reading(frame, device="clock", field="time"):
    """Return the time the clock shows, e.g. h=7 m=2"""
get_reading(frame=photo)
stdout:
h=3 m=55
